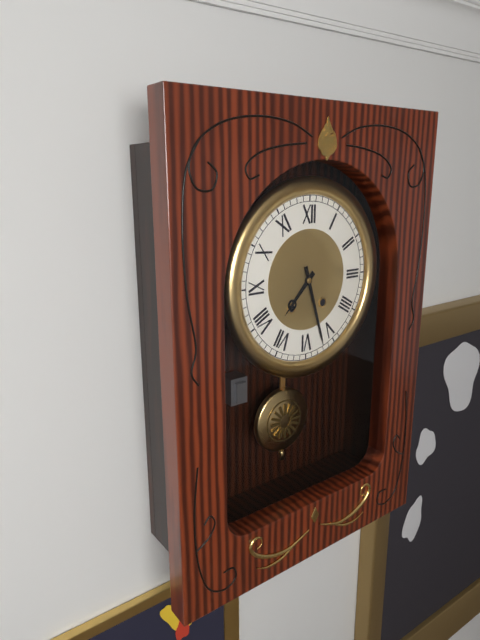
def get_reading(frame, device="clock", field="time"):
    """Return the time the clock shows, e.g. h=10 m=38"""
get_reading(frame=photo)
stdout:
h=7 m=27
